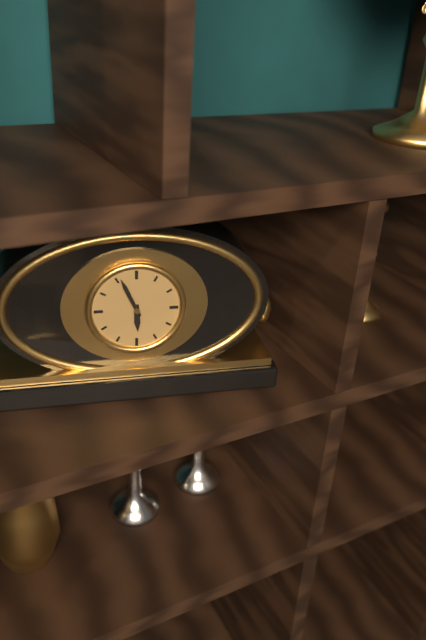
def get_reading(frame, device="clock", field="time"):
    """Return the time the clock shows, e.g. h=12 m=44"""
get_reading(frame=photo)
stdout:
h=5 m=56
